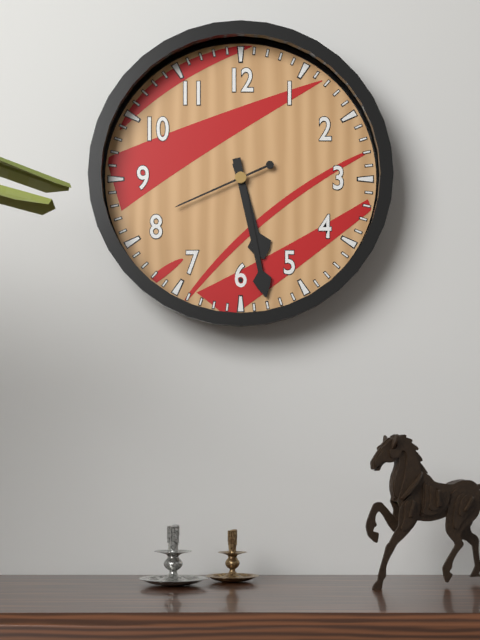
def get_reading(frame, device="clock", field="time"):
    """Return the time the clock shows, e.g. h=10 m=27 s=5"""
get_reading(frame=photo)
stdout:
h=5 m=28 s=41
